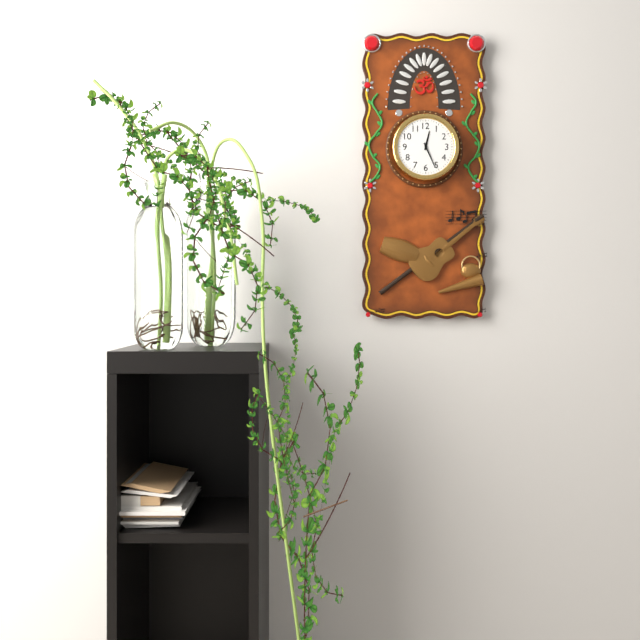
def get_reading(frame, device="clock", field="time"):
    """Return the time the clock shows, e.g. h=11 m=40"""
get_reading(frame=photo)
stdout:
h=12 m=26
